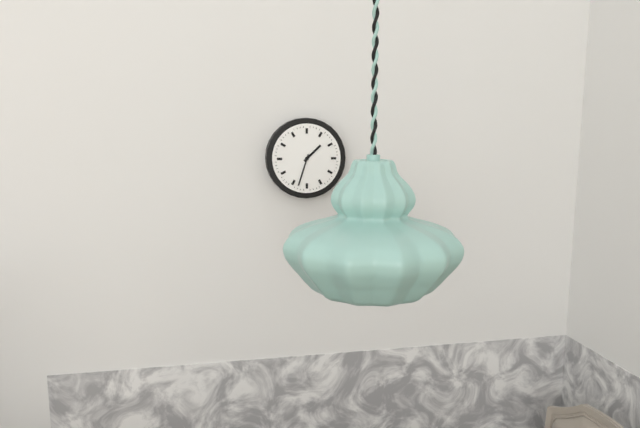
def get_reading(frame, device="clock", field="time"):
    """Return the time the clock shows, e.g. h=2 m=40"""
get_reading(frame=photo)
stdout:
h=1 m=33
